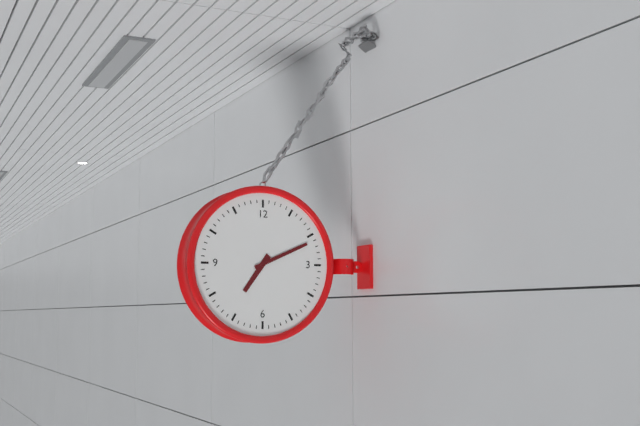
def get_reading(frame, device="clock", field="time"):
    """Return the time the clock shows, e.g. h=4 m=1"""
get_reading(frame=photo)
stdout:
h=7 m=11
